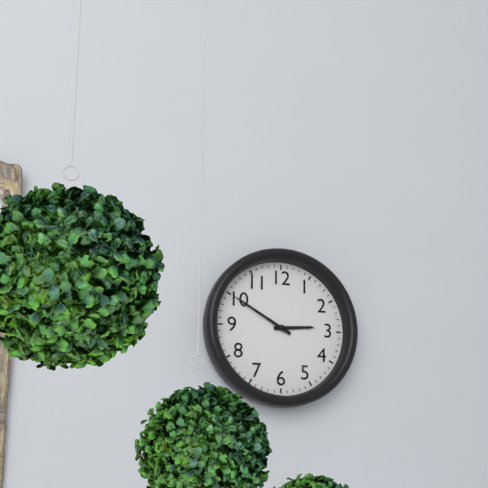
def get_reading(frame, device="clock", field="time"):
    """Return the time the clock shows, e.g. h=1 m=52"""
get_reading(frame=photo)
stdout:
h=2 m=50
